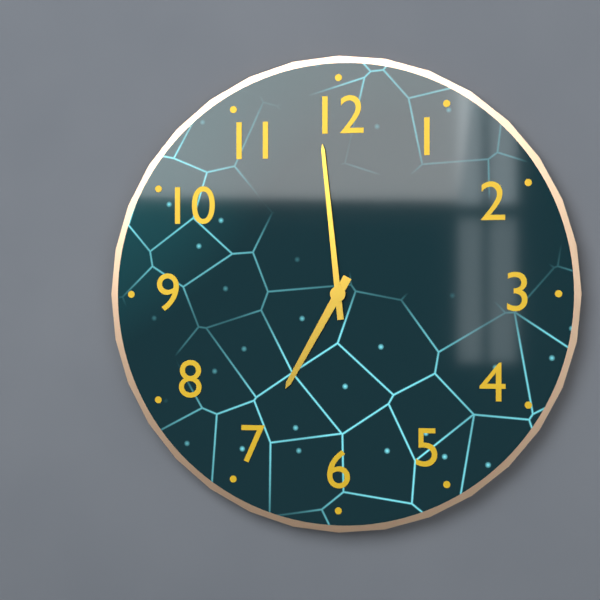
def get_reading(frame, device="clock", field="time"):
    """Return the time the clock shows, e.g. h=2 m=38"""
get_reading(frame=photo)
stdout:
h=6 m=59
